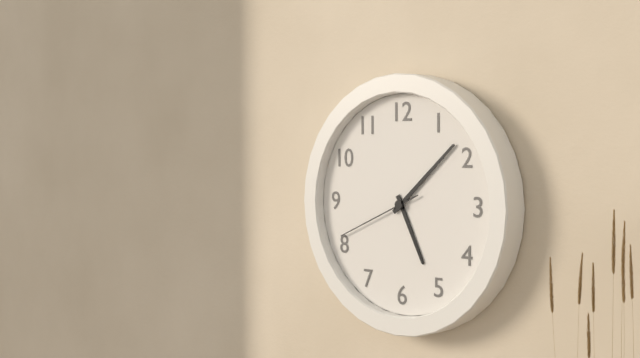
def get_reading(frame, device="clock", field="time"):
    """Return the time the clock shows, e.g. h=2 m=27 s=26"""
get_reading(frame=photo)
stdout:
h=5 m=8 s=41
